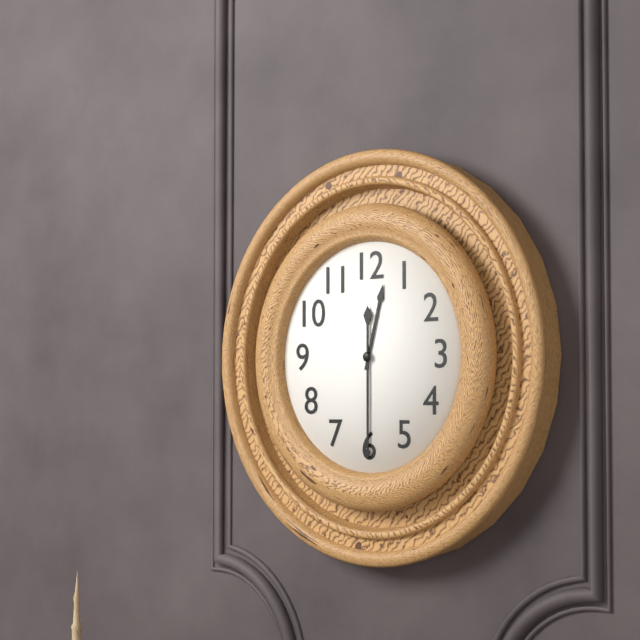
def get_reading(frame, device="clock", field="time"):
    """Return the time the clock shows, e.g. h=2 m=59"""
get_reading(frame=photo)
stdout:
h=12 m=30
